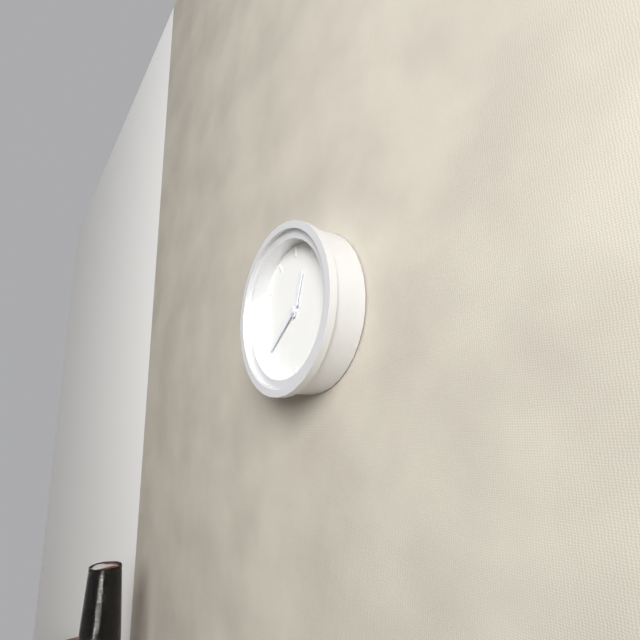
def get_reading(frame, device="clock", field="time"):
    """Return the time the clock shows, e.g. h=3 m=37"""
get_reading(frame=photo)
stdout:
h=12 m=39
